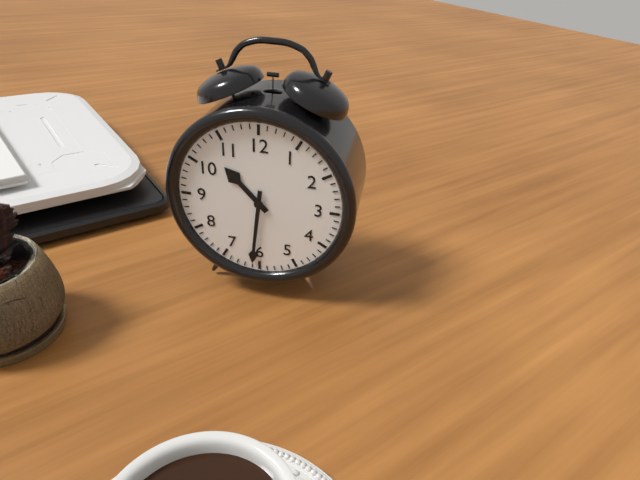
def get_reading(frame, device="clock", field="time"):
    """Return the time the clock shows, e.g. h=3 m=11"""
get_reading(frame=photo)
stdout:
h=10 m=31
